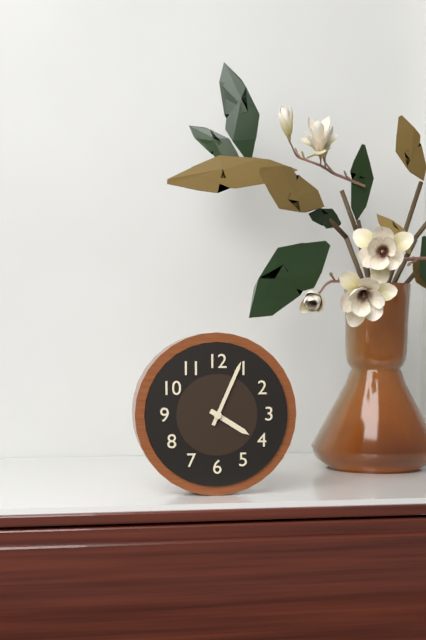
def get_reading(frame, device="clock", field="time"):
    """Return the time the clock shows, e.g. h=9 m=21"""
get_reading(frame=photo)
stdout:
h=4 m=4
